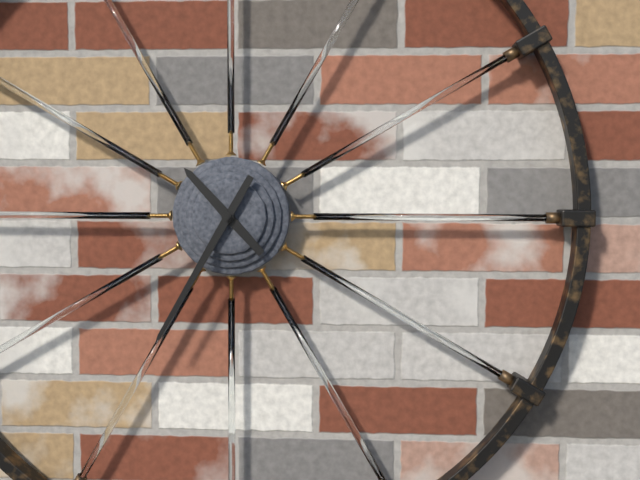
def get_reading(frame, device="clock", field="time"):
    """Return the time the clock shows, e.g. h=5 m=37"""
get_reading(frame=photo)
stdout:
h=10 m=35
